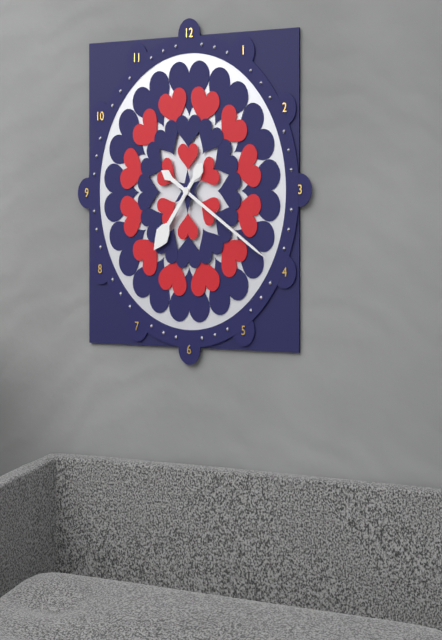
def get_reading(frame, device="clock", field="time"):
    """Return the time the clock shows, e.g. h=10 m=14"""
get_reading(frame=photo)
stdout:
h=7 m=20
